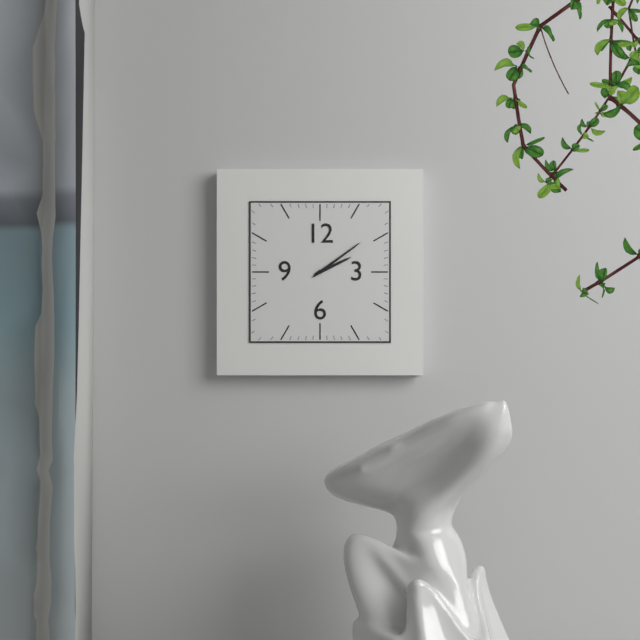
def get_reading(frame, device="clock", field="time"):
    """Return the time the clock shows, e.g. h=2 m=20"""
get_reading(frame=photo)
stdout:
h=2 m=9
